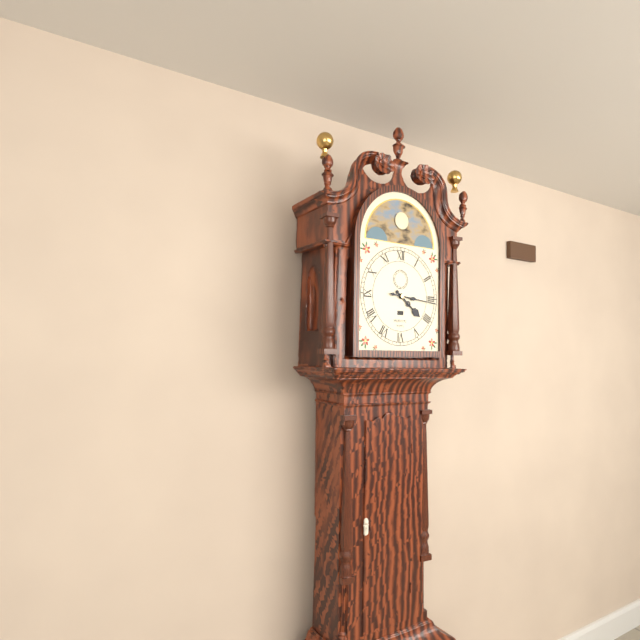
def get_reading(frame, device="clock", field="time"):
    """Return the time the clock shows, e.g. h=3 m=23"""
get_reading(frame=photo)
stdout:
h=4 m=16
